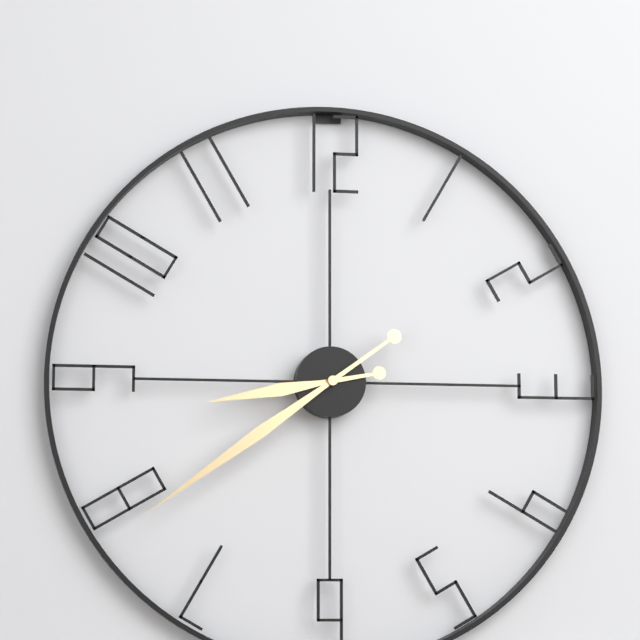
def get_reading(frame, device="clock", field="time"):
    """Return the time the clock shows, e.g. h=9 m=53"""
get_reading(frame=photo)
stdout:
h=8 m=39
